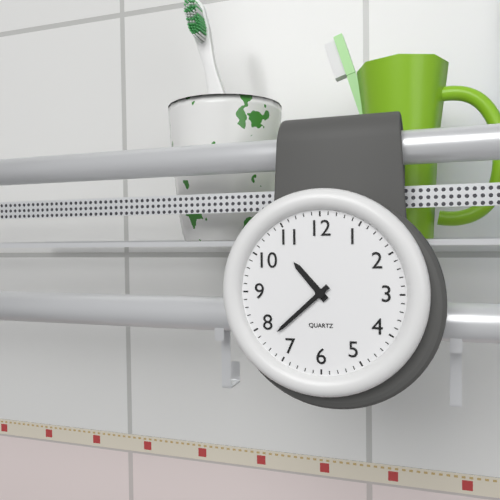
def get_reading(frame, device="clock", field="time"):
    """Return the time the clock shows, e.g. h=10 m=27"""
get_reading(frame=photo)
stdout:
h=10 m=38
